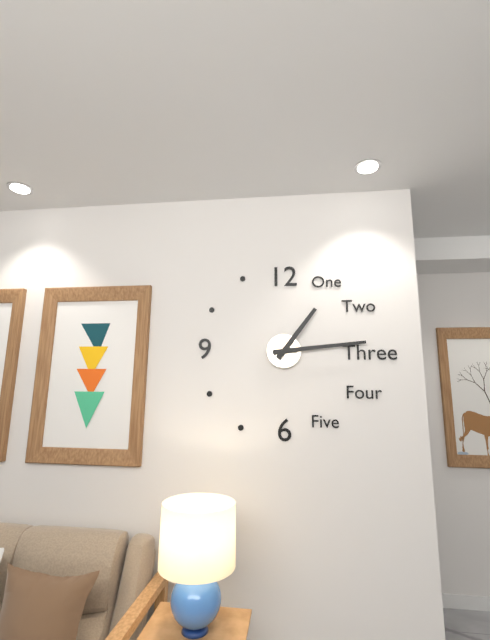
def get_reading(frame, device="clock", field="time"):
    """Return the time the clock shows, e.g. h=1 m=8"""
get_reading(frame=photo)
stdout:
h=1 m=14
